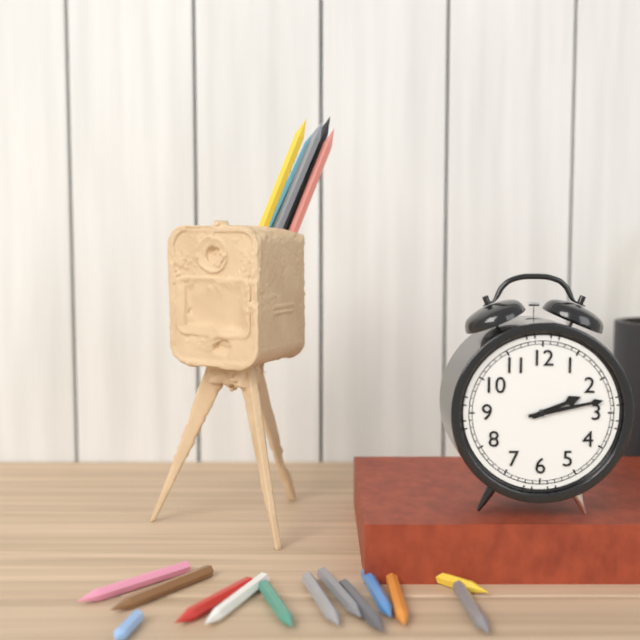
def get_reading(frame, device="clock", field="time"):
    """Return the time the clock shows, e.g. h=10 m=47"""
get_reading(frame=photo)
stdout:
h=2 m=13
